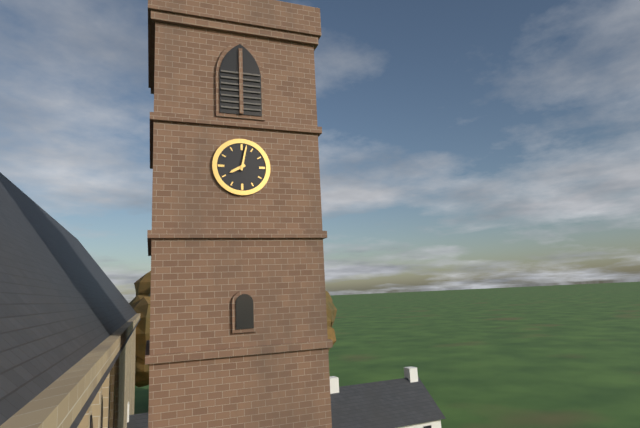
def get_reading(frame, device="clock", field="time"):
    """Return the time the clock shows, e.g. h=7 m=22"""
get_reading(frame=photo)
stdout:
h=8 m=2
